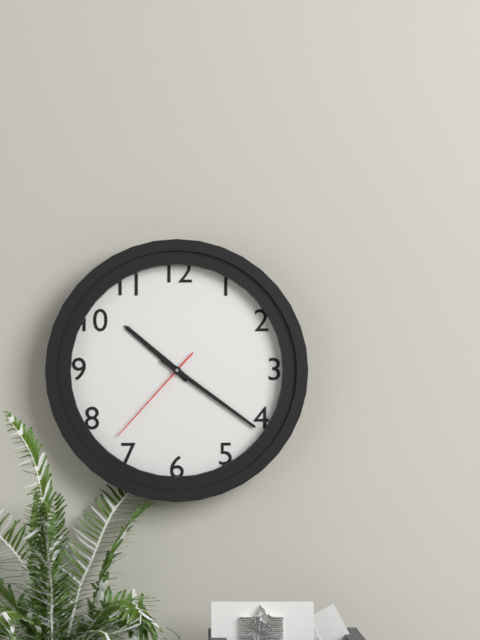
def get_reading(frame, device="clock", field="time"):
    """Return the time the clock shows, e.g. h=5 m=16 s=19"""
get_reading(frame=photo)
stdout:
h=10 m=21 s=37
